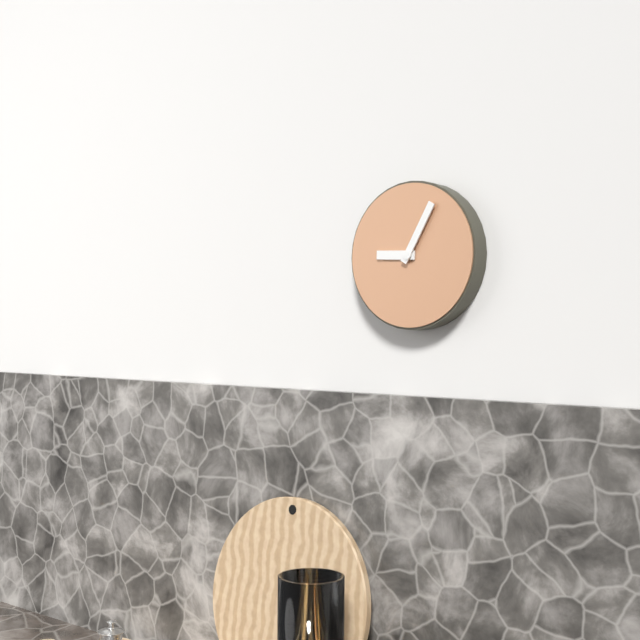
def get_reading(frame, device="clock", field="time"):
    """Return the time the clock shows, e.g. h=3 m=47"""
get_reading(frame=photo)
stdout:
h=9 m=5
